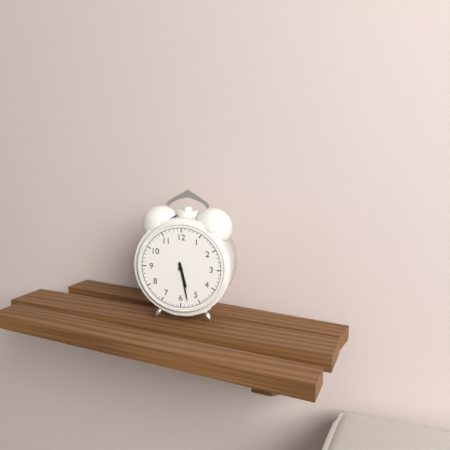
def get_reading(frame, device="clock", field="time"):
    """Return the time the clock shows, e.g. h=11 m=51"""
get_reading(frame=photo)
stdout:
h=5 m=28
